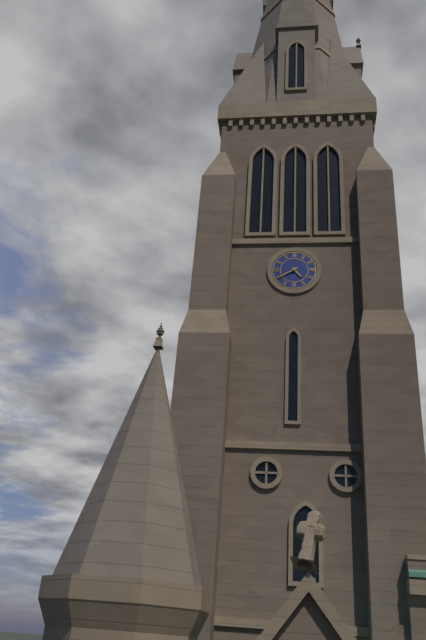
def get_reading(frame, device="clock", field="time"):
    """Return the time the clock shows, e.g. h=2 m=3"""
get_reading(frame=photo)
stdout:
h=4 m=40
